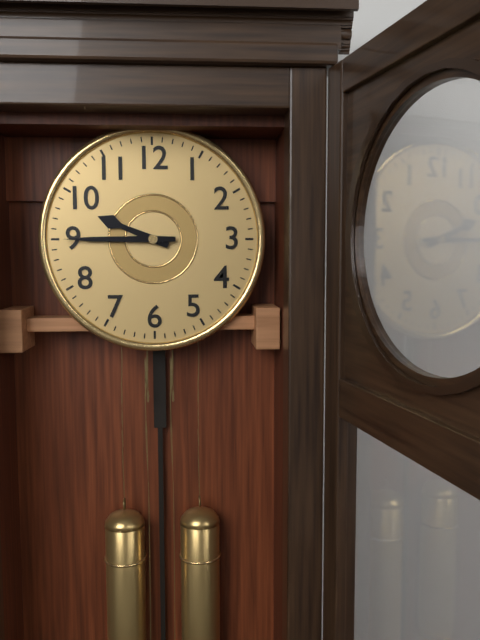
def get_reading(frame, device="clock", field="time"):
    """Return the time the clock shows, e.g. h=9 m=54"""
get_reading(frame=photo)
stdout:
h=9 m=45
